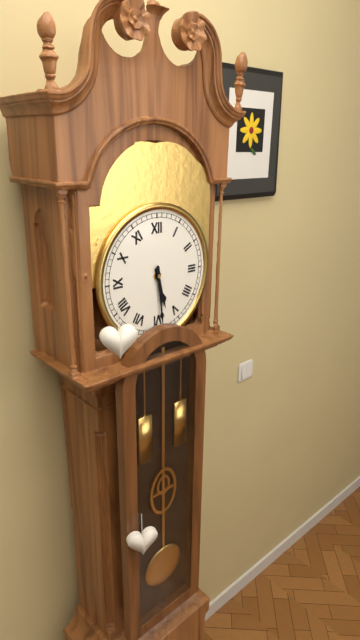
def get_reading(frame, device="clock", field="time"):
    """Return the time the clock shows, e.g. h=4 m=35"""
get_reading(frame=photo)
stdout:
h=5 m=29
